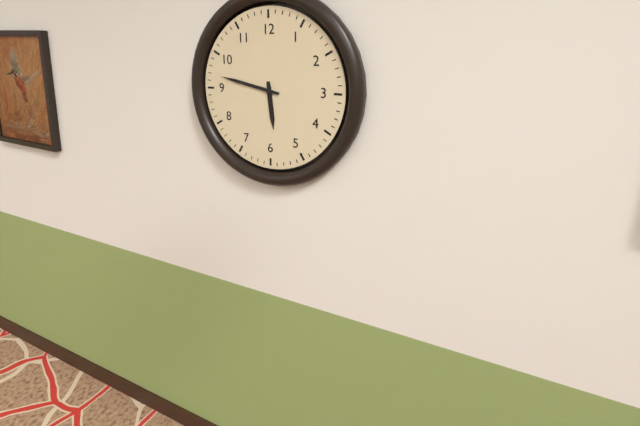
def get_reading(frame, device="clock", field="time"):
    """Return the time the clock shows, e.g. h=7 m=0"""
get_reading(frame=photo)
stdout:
h=5 m=47
